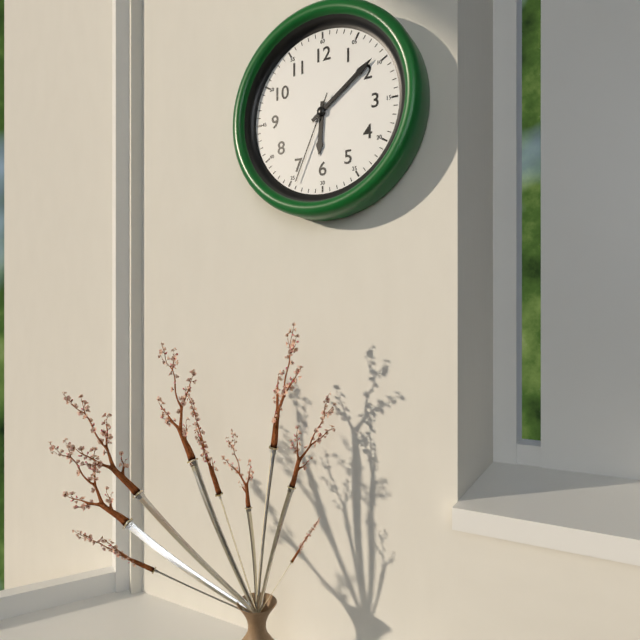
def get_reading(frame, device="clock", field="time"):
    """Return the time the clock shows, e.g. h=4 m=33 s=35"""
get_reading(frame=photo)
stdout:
h=6 m=9 s=34
